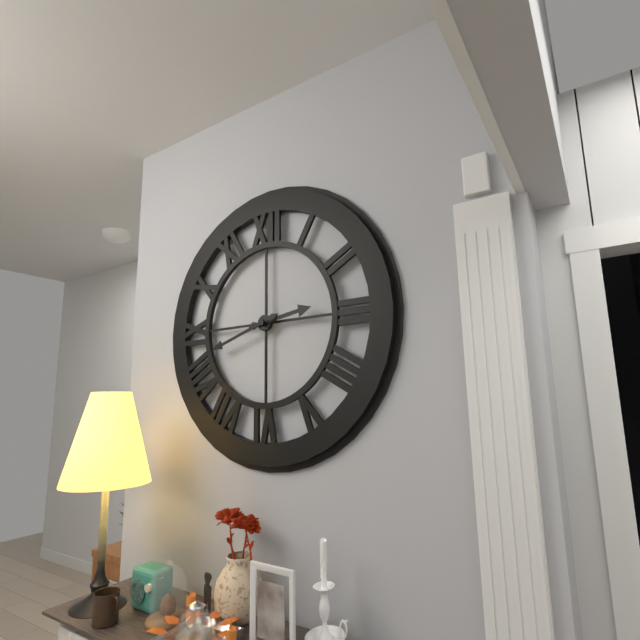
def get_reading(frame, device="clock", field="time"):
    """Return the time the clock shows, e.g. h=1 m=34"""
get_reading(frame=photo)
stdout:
h=2 m=42
